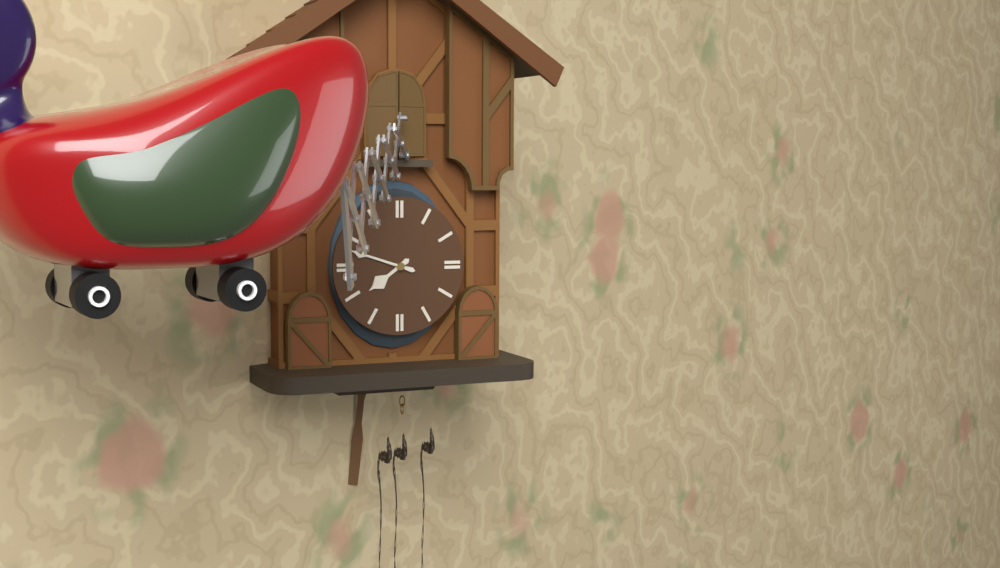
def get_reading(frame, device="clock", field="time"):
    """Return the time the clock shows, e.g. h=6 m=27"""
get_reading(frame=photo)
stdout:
h=7 m=48
